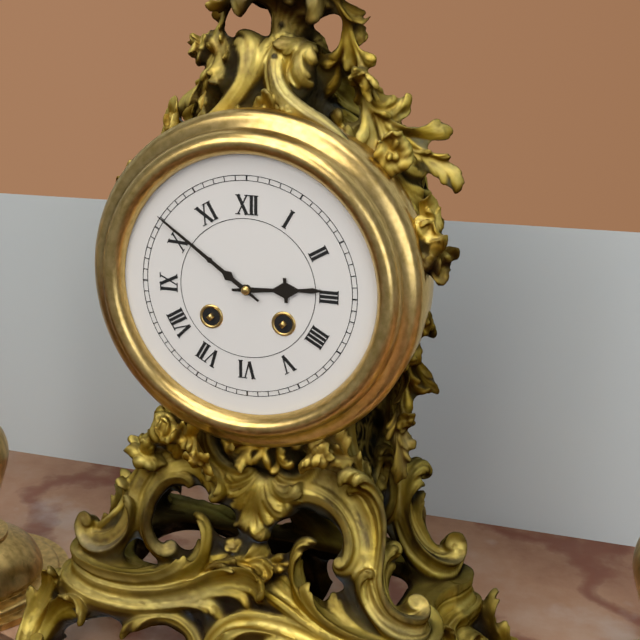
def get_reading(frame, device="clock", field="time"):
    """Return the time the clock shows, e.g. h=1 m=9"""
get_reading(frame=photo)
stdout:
h=2 m=51
